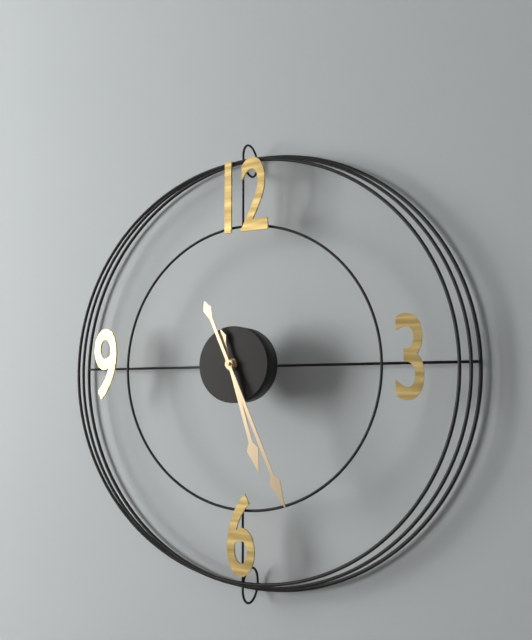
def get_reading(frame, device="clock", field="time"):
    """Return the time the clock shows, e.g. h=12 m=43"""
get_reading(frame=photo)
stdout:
h=5 m=26
